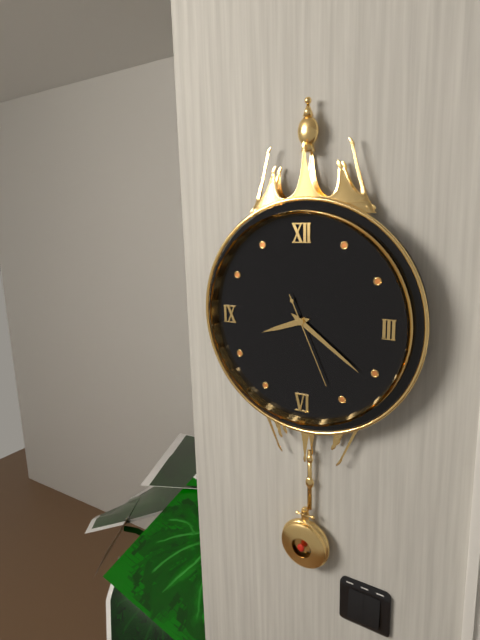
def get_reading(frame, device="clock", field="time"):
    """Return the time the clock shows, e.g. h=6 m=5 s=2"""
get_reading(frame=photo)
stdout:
h=8 m=21 s=26
